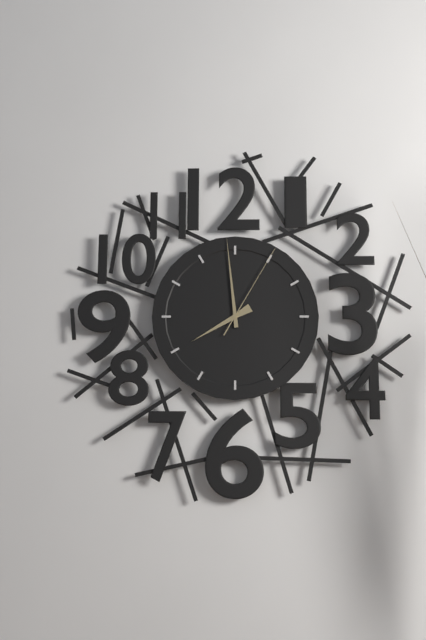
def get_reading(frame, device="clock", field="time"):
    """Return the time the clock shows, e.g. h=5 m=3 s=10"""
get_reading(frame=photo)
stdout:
h=7 m=59 s=5
